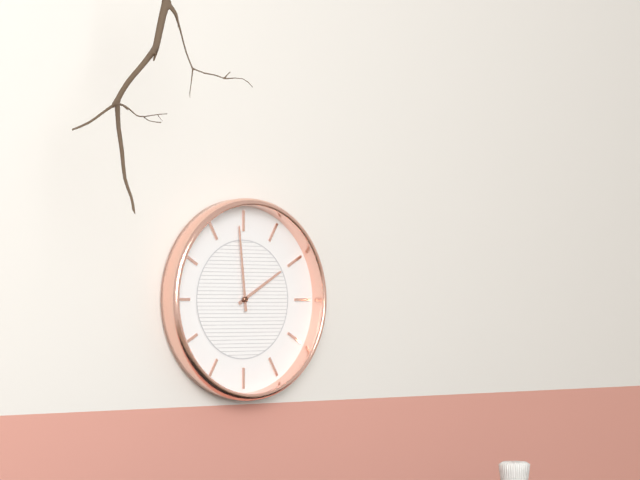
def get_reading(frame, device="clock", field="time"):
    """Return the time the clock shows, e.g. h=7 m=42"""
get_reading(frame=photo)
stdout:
h=1 m=59
